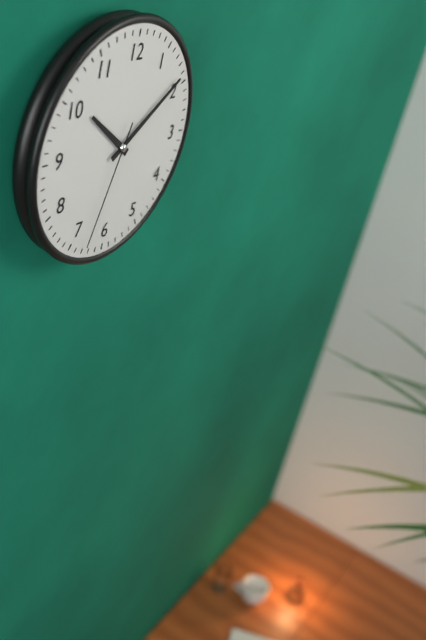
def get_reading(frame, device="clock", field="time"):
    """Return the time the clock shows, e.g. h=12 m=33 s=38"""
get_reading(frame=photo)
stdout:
h=10 m=9 s=33
